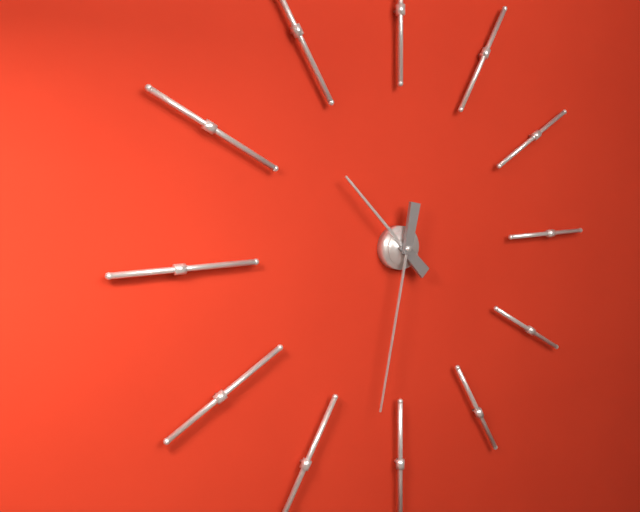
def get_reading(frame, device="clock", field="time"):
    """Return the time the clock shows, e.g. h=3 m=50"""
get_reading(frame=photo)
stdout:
h=10 m=32
